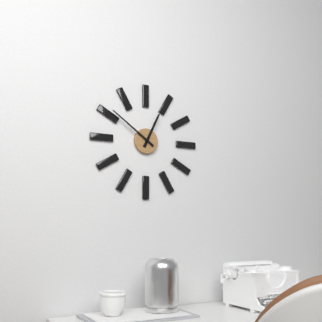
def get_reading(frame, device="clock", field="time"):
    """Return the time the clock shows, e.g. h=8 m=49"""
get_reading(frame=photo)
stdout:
h=12 m=51
